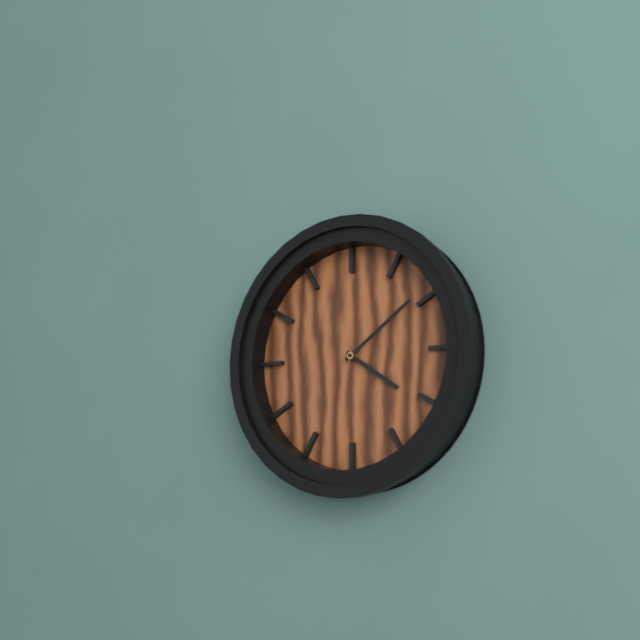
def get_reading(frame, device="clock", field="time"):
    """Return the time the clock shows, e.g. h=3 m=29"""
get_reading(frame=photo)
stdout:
h=4 m=9
